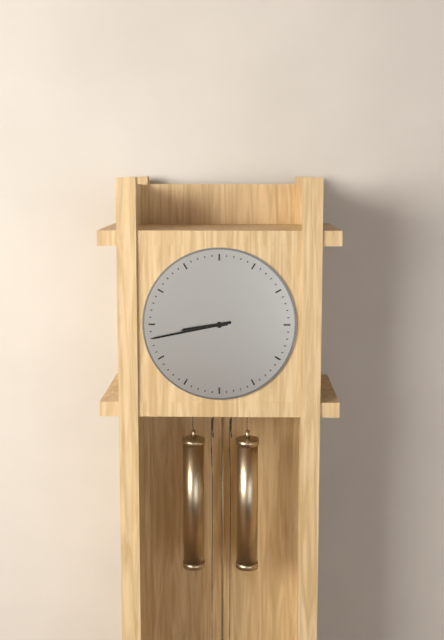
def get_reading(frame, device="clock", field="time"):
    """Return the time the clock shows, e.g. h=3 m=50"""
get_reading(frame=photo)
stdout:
h=8 m=43
